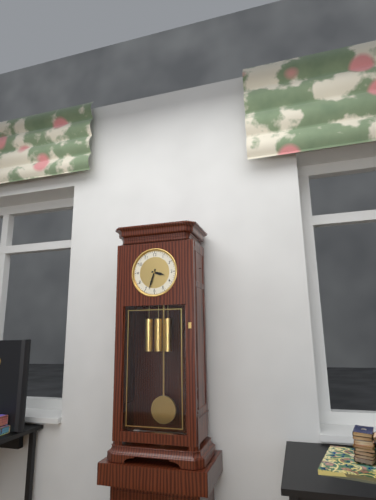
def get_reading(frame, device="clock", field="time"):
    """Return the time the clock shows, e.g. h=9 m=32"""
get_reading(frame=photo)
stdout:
h=3 m=33
